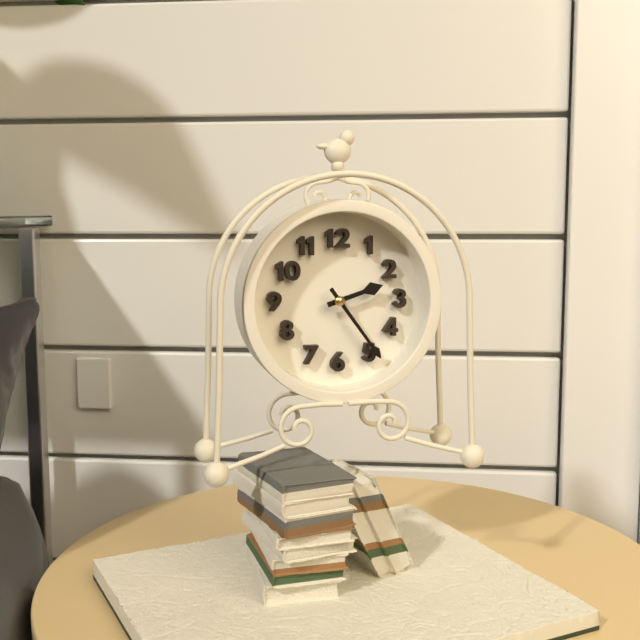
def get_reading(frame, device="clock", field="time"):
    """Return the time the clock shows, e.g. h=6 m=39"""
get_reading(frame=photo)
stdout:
h=2 m=24
